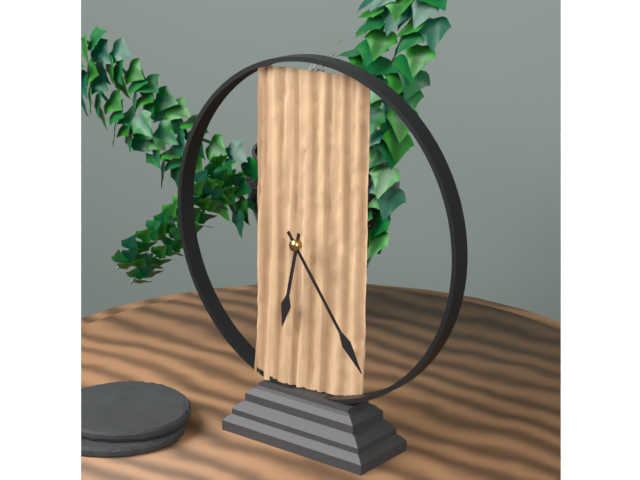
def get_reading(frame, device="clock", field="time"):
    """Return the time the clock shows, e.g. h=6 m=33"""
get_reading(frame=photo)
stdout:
h=6 m=24
